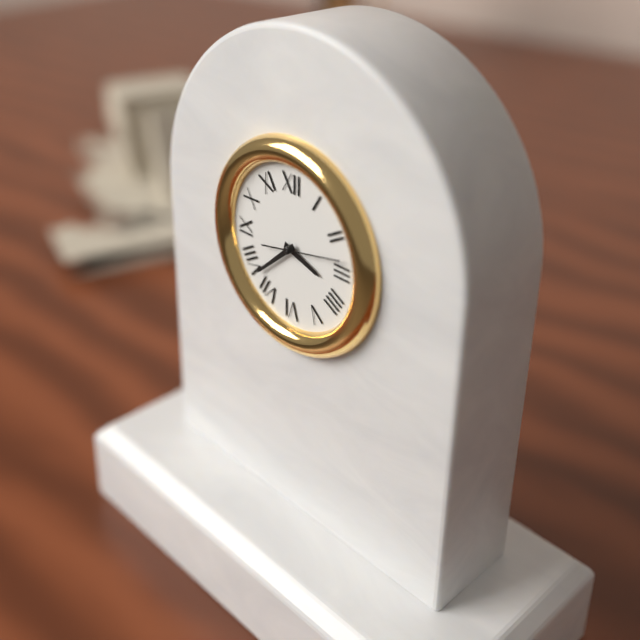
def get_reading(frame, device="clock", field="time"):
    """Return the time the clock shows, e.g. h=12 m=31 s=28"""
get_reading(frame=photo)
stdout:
h=3 m=38 s=13
